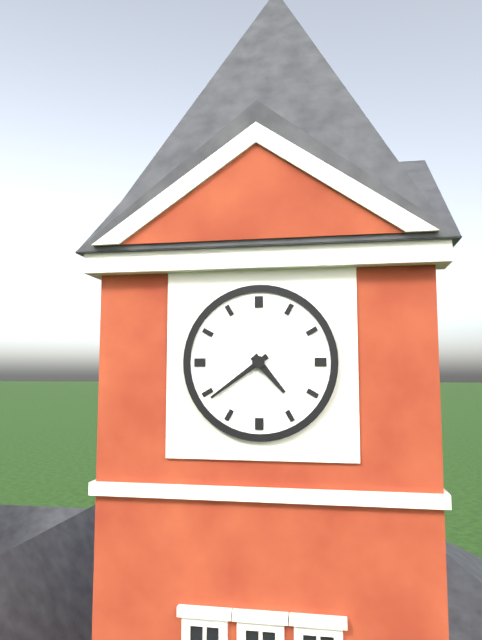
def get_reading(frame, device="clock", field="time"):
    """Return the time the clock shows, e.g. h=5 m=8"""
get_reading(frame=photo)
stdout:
h=4 m=39
